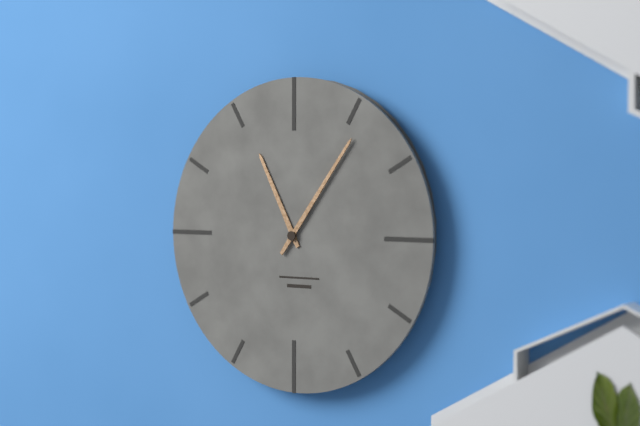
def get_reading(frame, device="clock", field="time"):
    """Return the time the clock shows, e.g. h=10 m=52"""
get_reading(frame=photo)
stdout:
h=11 m=6
